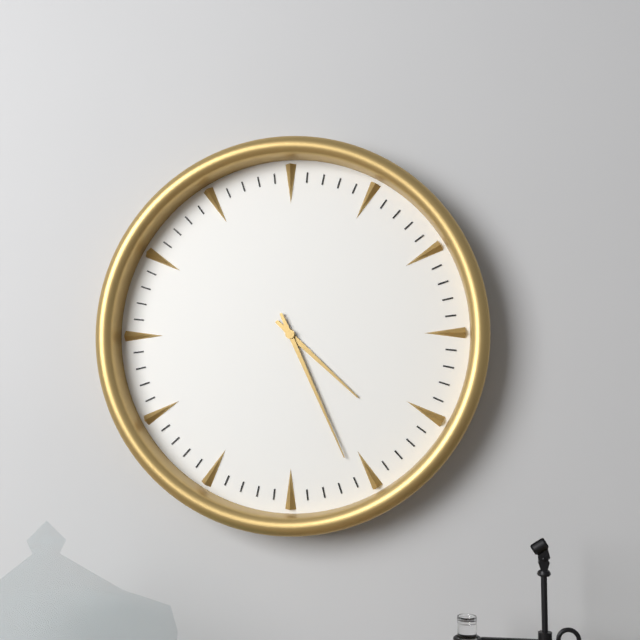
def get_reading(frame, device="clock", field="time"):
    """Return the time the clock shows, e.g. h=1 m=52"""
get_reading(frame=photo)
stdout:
h=4 m=26
